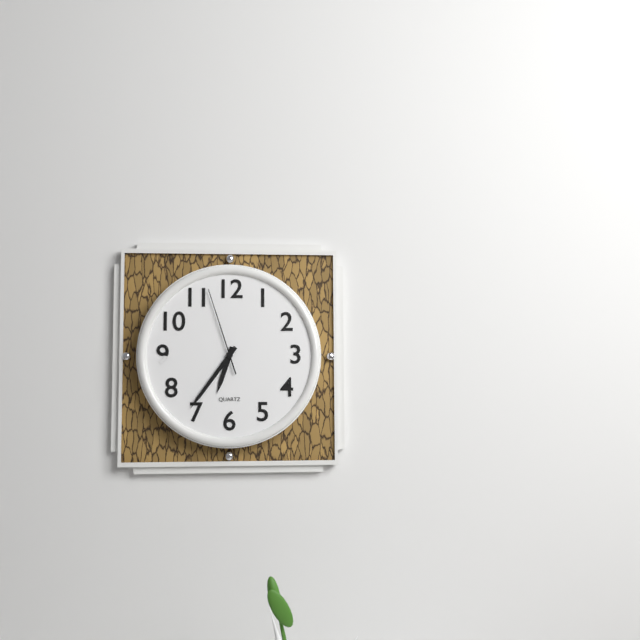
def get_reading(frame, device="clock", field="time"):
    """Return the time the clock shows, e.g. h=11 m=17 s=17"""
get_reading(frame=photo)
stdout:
h=6 m=36 s=57
